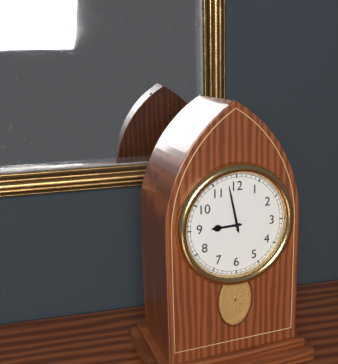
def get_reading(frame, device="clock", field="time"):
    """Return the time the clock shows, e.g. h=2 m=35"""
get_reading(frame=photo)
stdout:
h=8 m=58
